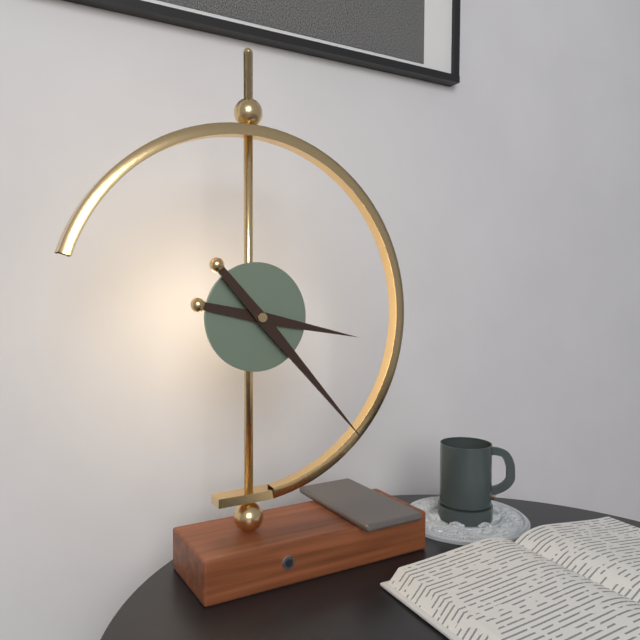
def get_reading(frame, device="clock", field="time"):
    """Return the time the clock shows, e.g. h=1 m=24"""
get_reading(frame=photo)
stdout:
h=3 m=23
